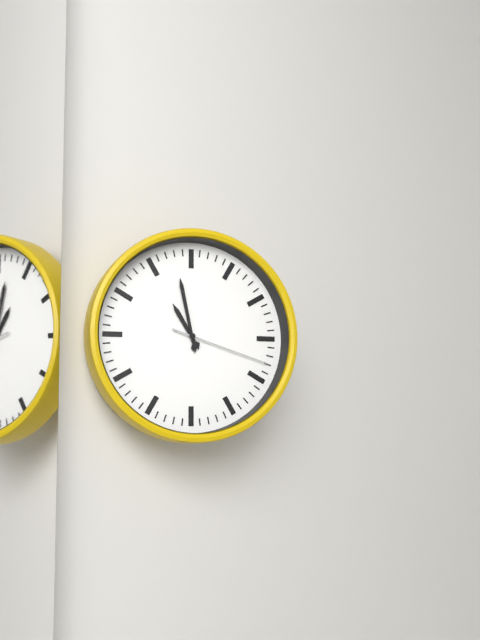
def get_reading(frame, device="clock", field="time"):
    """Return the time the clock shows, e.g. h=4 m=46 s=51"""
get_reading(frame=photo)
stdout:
h=10 m=58 s=18
